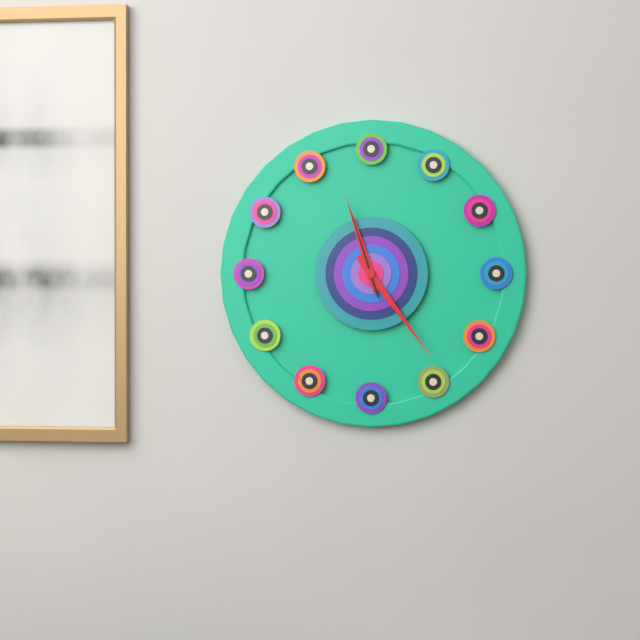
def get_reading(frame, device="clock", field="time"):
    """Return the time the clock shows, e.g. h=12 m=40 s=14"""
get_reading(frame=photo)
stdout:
h=11 m=24 s=57
